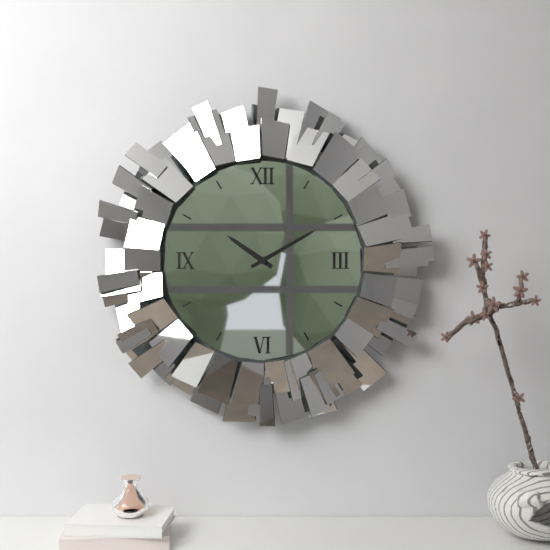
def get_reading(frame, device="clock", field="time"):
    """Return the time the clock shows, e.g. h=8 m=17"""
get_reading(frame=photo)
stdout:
h=10 m=10
